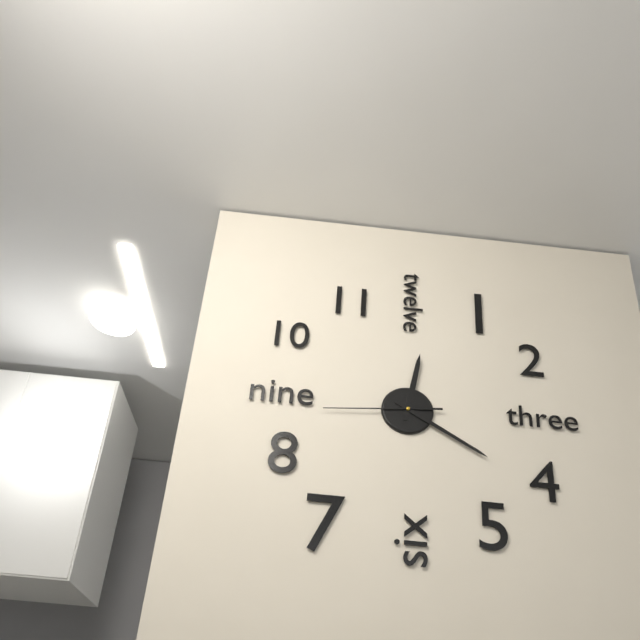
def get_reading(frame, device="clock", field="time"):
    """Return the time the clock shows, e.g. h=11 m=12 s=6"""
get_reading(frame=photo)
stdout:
h=12 m=20 s=44
